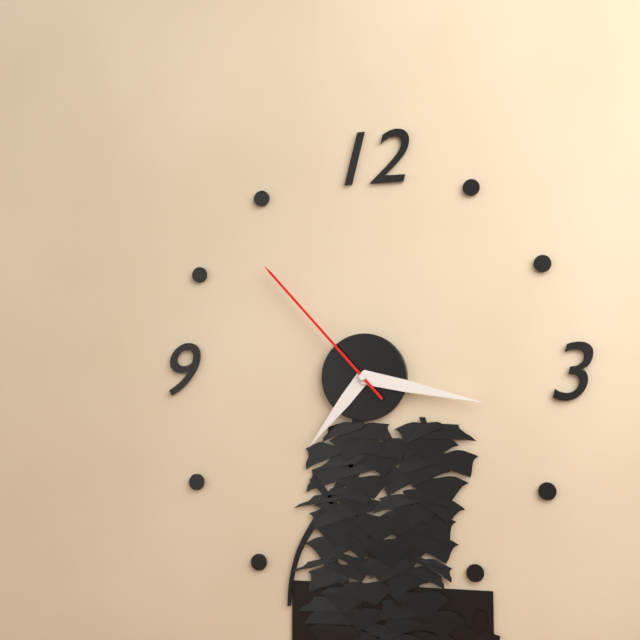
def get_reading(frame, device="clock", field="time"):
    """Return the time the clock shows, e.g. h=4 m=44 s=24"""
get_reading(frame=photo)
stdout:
h=7 m=17 s=53
